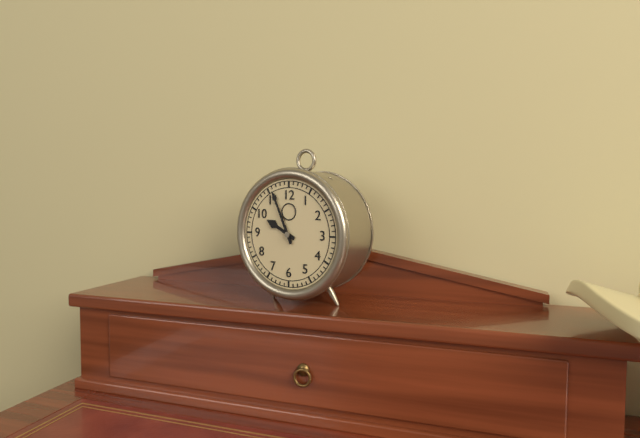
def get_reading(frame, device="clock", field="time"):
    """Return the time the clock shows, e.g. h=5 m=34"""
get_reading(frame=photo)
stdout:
h=9 m=56
